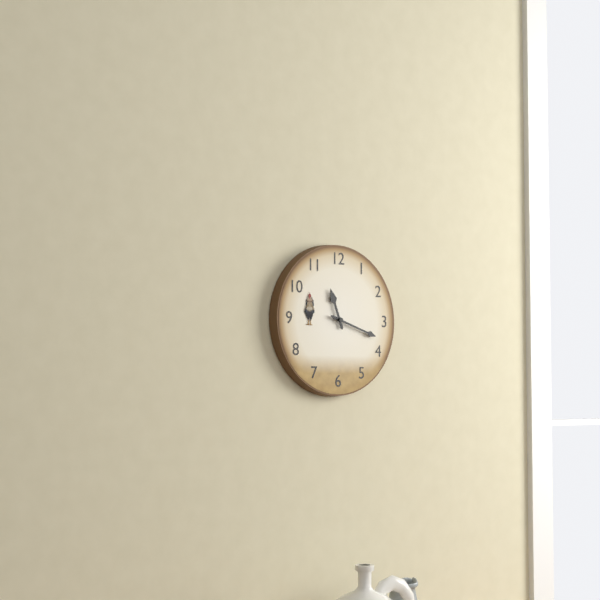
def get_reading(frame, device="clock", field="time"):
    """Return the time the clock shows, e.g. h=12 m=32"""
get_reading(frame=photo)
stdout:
h=11 m=18
